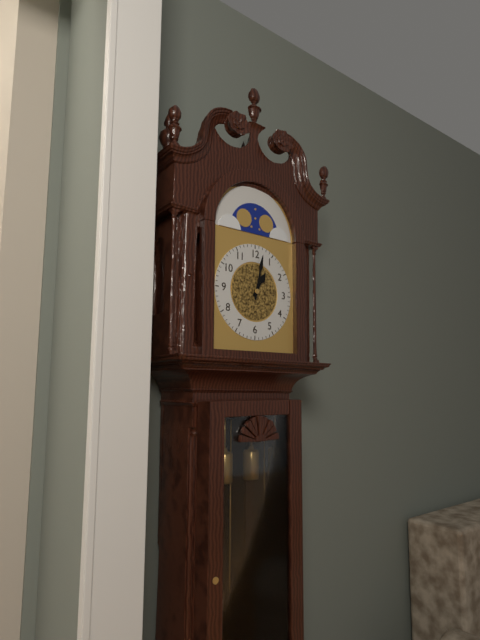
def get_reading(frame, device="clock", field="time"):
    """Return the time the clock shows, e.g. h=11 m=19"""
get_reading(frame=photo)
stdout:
h=1 m=2
